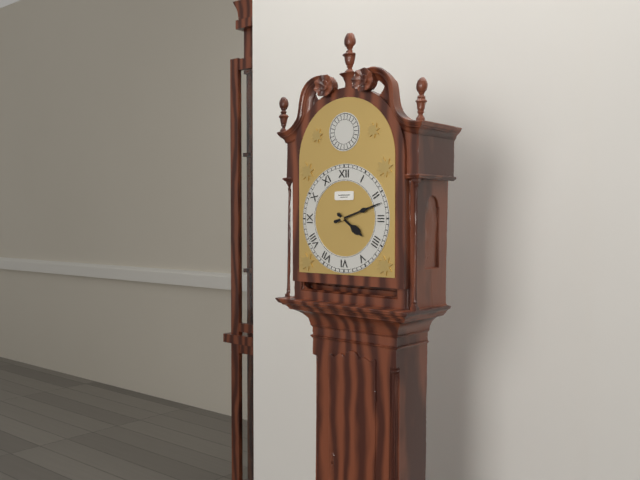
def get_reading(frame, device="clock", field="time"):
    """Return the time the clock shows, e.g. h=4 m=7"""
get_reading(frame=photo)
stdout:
h=4 m=12
